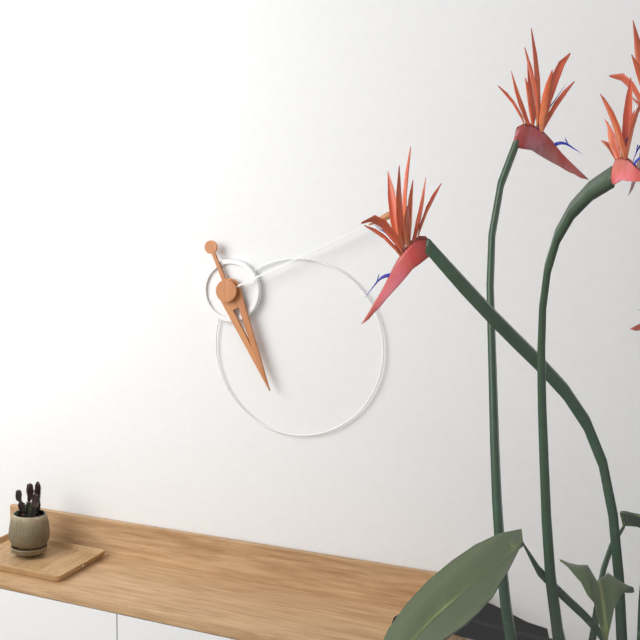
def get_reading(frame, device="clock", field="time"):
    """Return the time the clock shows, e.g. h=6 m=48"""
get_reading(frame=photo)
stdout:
h=5 m=11
